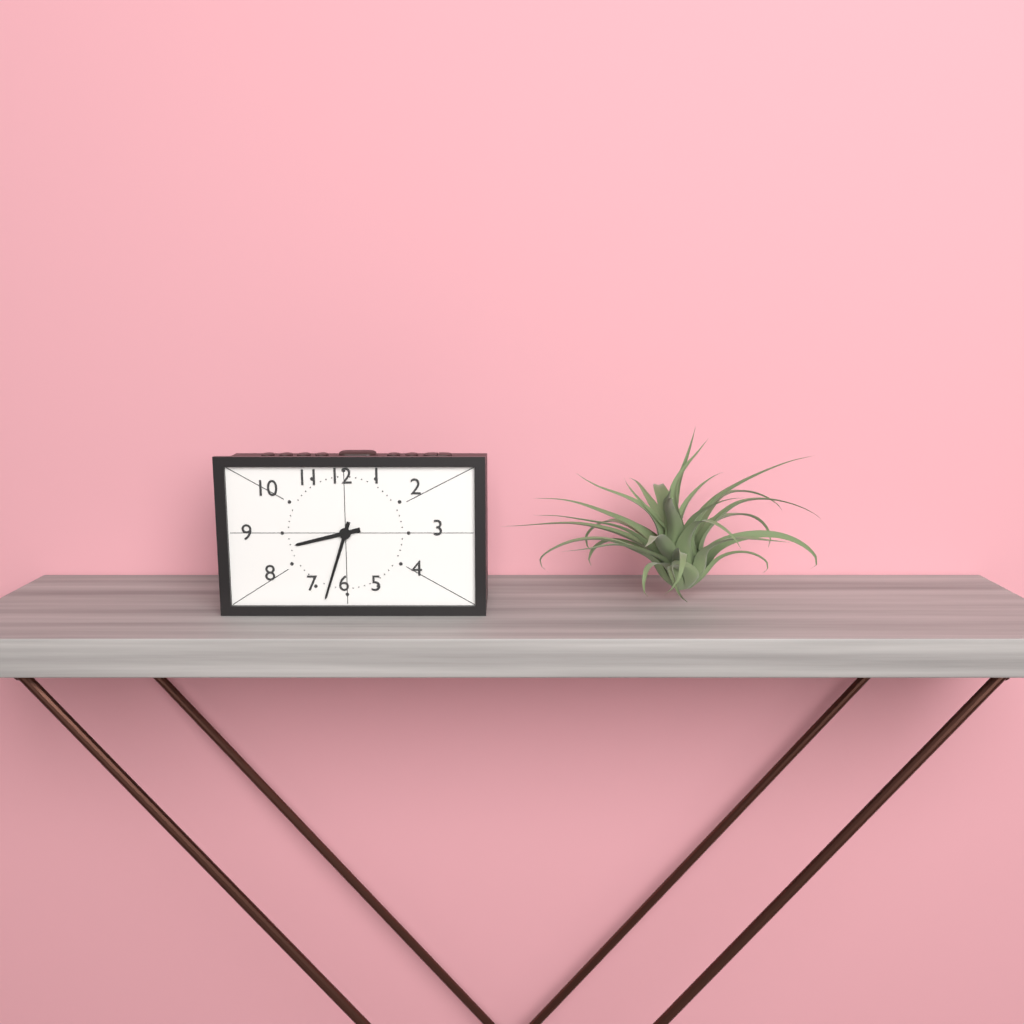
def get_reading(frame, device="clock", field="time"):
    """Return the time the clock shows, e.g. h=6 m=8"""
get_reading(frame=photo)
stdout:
h=8 m=33
